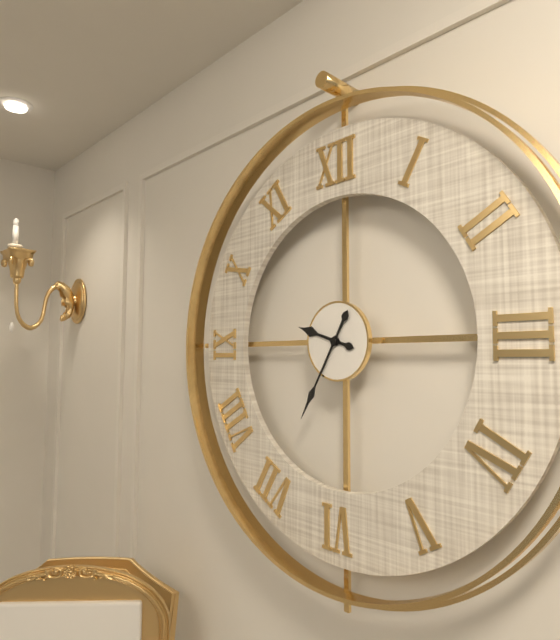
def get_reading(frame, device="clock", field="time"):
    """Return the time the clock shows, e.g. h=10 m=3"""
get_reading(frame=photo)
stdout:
h=9 m=35
